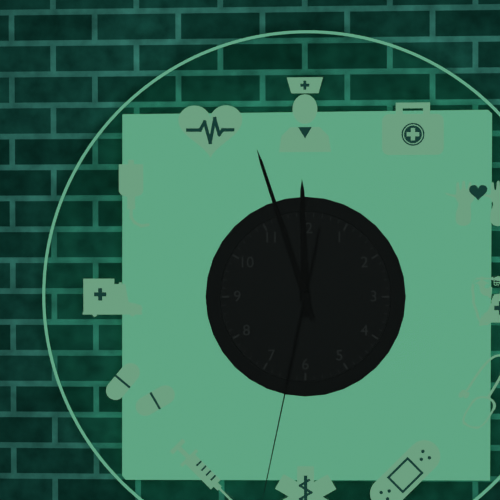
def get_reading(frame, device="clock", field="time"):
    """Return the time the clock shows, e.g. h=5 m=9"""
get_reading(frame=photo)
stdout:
h=11 m=57
